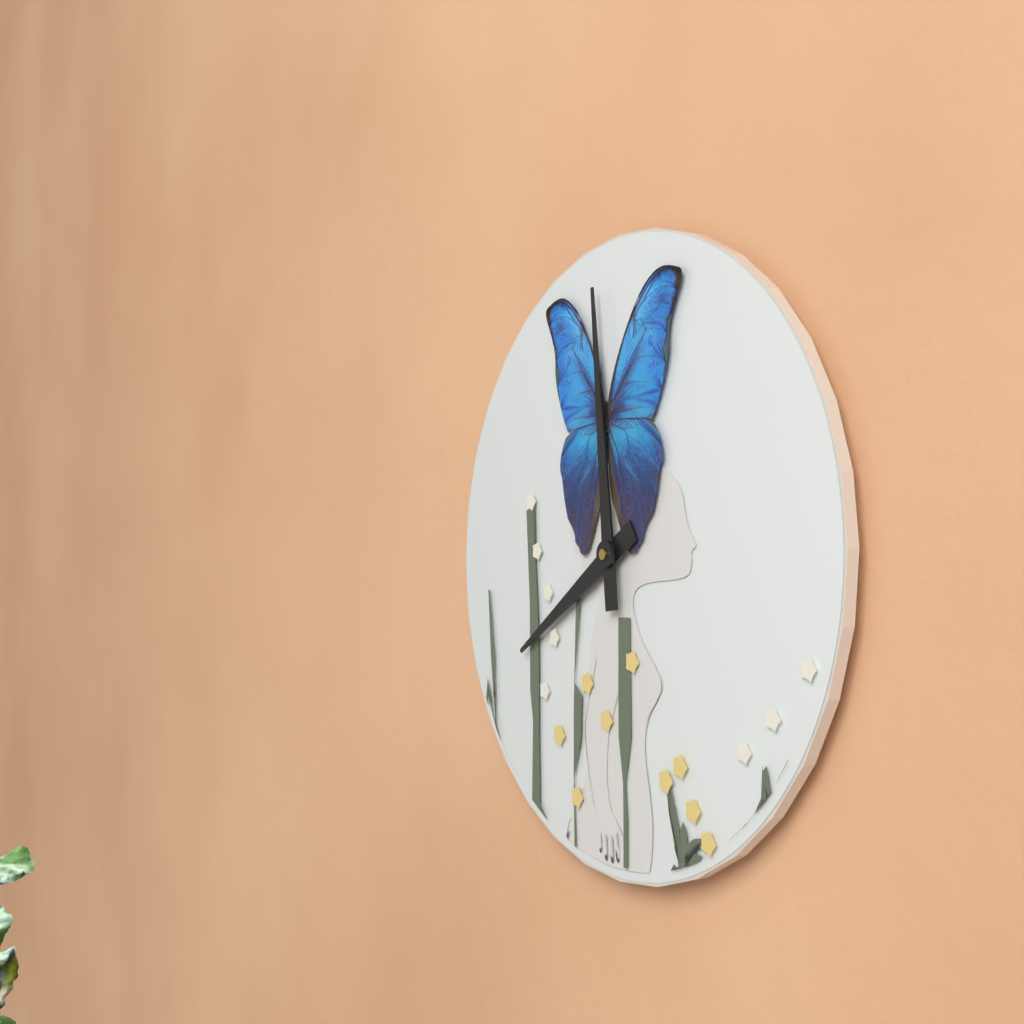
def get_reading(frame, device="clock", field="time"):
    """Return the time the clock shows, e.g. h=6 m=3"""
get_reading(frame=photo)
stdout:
h=7 m=59
